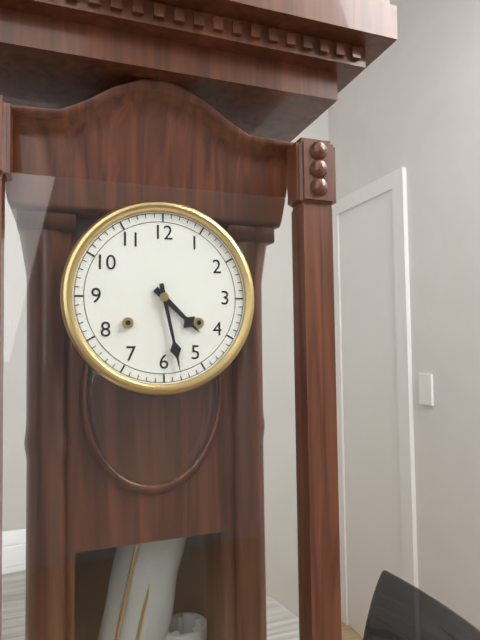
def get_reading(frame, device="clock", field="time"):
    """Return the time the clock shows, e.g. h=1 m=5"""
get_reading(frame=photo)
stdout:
h=4 m=28
